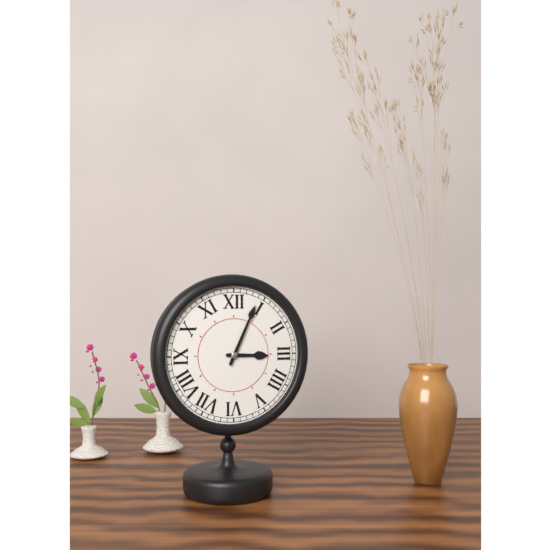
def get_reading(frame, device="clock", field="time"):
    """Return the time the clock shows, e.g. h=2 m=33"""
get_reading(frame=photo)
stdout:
h=3 m=4
